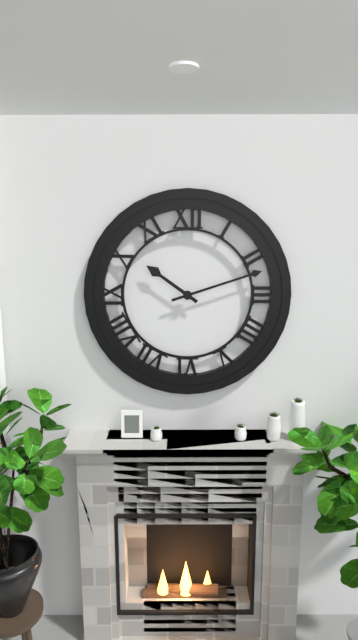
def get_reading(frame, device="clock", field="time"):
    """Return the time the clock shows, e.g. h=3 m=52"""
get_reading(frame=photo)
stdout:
h=10 m=12
